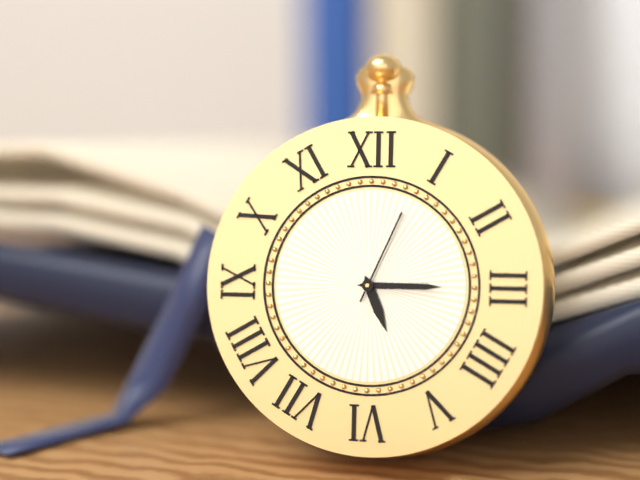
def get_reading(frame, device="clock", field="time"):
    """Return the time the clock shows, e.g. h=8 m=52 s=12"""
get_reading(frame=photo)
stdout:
h=5 m=15 s=4
